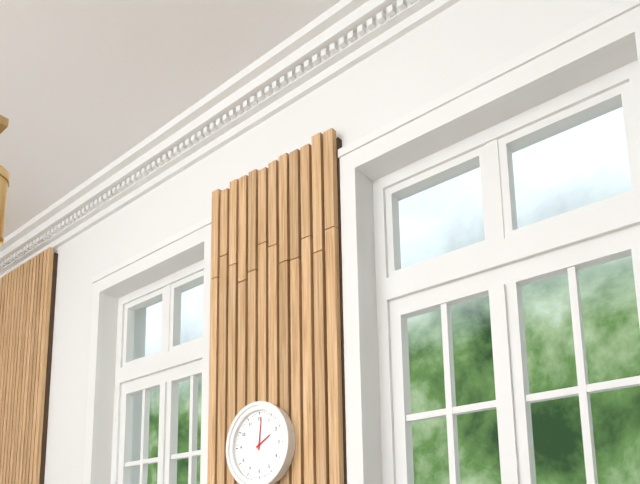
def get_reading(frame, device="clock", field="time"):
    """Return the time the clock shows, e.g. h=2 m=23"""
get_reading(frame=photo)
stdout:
h=2 m=1
